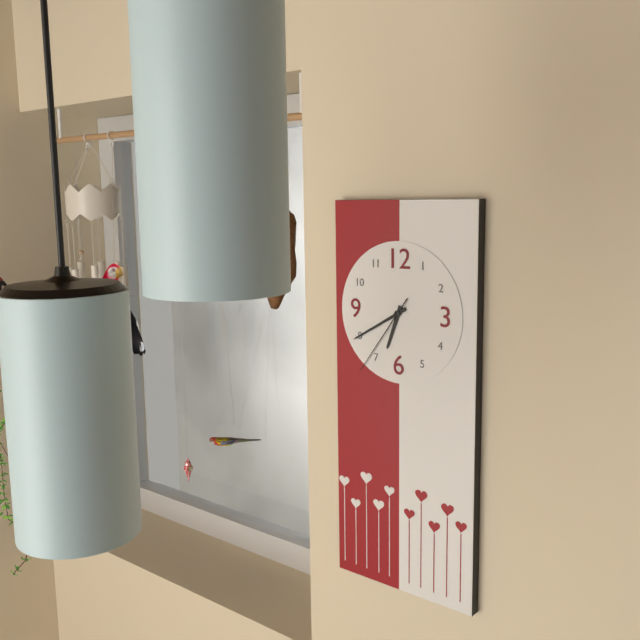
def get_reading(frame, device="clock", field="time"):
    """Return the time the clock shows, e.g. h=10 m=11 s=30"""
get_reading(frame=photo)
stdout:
h=6 m=40 s=36
